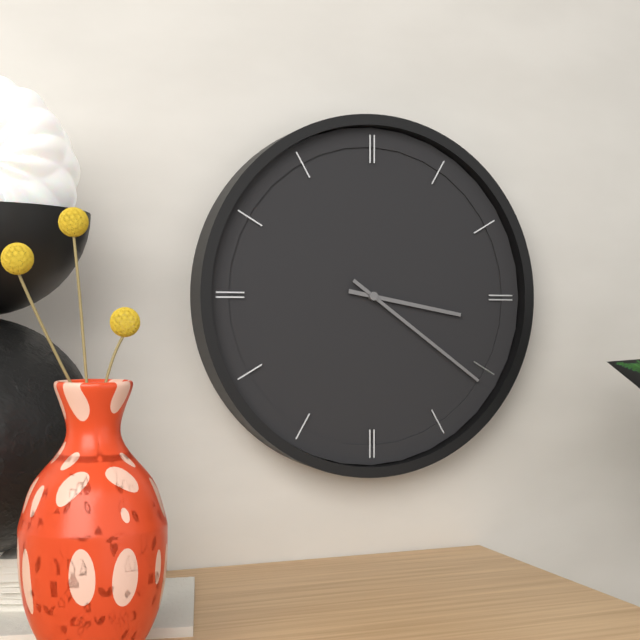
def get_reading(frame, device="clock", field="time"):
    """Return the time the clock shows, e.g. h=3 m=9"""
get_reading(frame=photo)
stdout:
h=3 m=21
